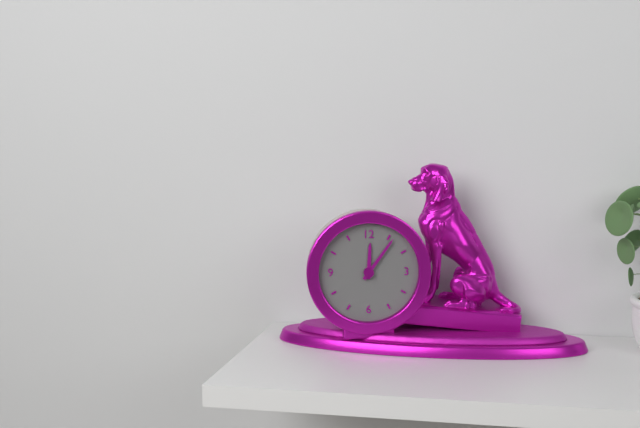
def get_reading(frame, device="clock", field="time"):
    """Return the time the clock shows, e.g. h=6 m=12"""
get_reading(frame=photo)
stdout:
h=12 m=6
